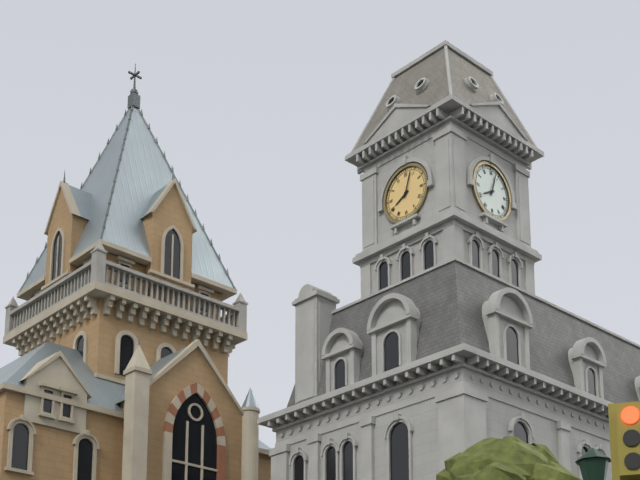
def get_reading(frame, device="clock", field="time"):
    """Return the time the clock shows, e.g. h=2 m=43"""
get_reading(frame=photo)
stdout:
h=8 m=3
